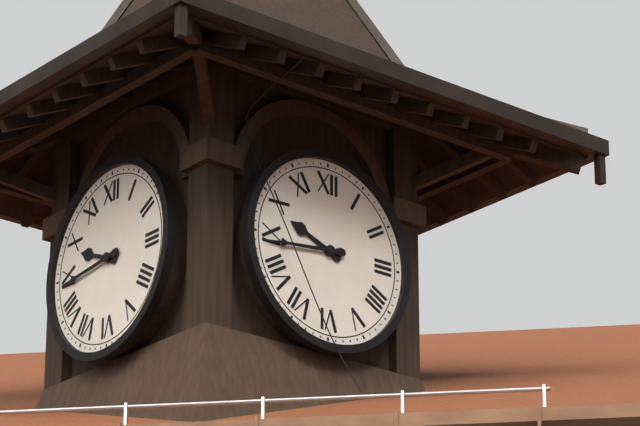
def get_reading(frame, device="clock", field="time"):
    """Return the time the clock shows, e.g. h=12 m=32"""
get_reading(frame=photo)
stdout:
h=9 m=44
